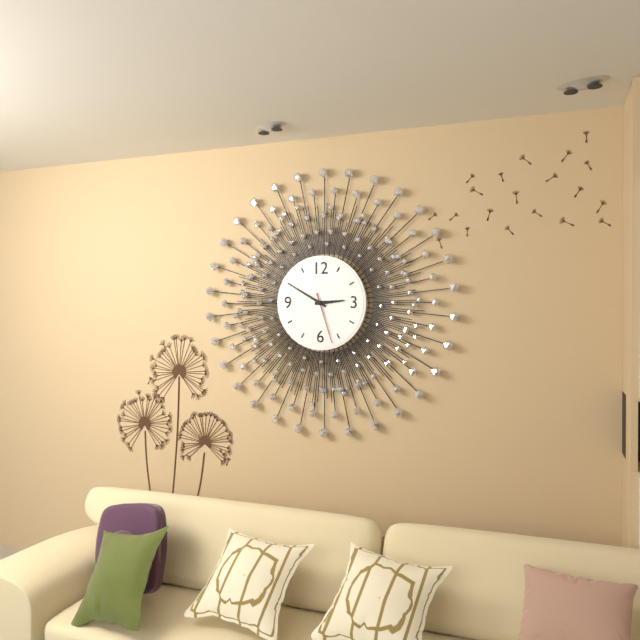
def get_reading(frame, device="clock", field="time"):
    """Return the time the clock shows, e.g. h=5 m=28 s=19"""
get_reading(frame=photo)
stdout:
h=2 m=50 s=27
